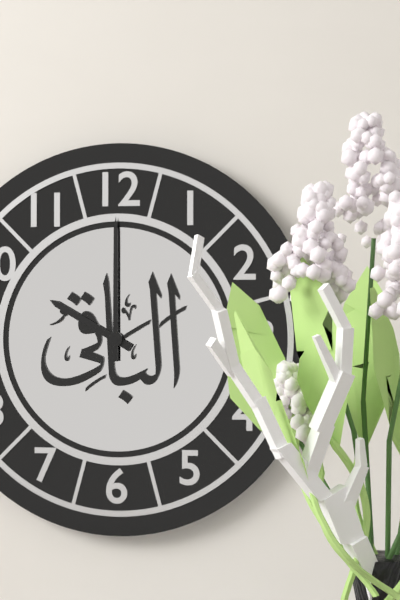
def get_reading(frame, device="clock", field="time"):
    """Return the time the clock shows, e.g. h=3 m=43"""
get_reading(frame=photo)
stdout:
h=10 m=0
